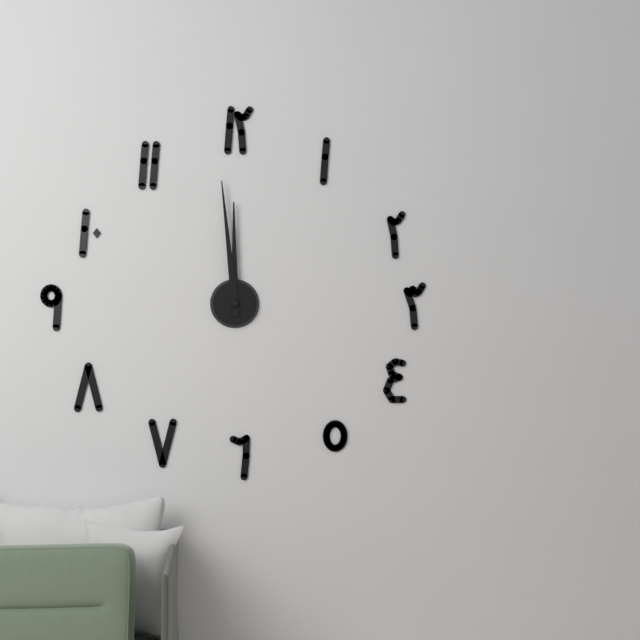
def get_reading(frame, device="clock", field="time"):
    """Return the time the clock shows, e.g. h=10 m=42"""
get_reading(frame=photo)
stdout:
h=11 m=59
